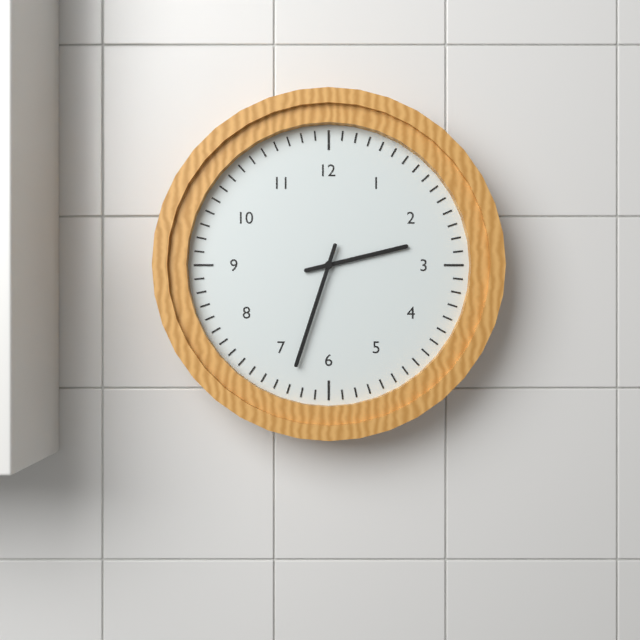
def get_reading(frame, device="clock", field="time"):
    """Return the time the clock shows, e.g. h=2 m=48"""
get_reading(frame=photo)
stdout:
h=2 m=33
